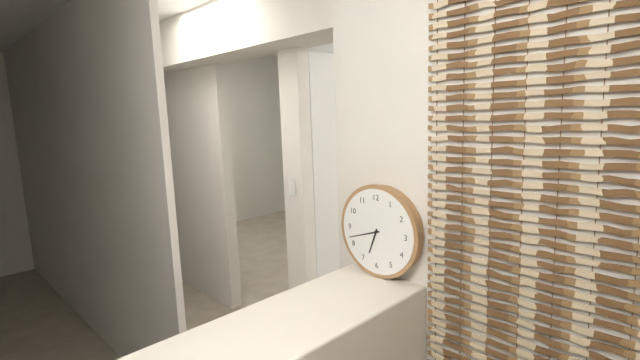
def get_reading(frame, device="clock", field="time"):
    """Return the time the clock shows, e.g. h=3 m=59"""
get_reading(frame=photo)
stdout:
h=6 m=42
